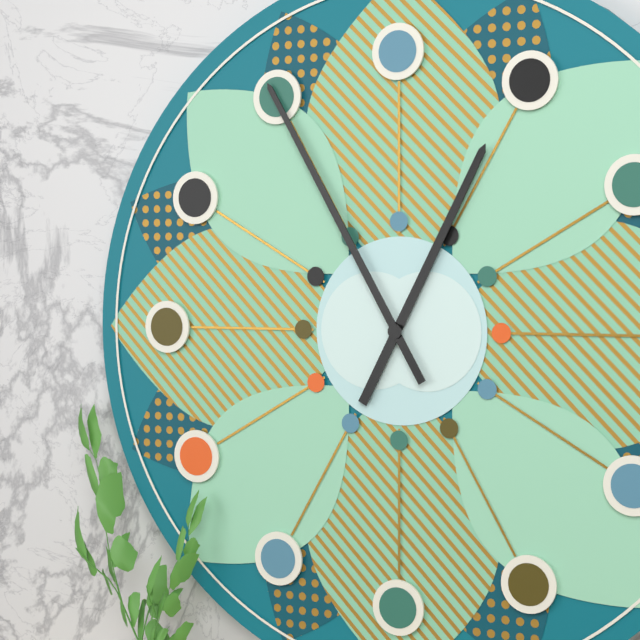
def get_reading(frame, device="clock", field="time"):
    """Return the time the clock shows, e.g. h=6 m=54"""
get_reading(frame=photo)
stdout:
h=12 m=55
